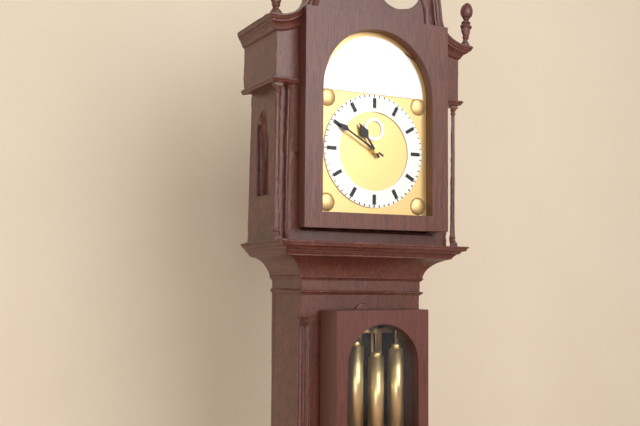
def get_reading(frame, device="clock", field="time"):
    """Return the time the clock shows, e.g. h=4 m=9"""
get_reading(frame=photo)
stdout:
h=10 m=50
